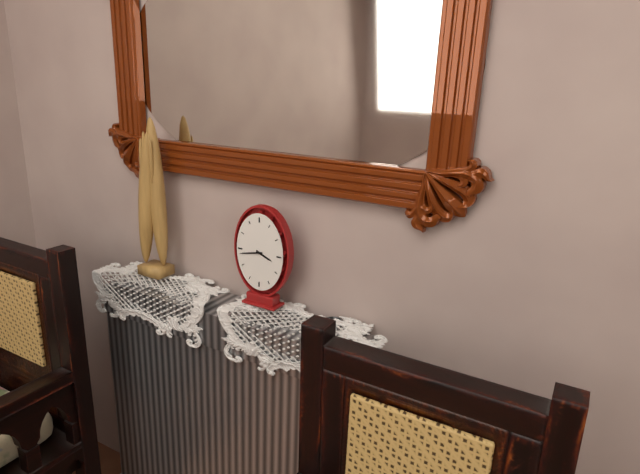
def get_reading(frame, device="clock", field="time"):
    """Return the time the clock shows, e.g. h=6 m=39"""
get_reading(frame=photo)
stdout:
h=3 m=43
